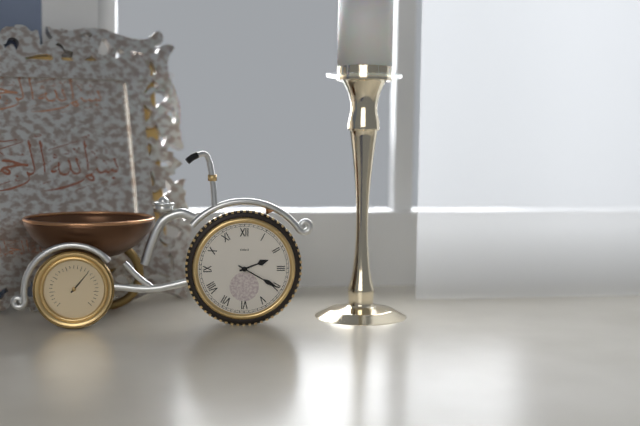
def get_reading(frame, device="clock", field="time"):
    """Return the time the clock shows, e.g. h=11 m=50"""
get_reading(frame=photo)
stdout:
h=2 m=20
